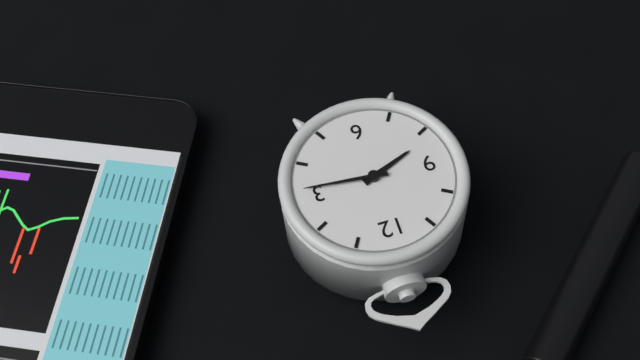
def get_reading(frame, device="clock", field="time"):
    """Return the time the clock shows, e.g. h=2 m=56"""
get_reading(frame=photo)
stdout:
h=8 m=16
